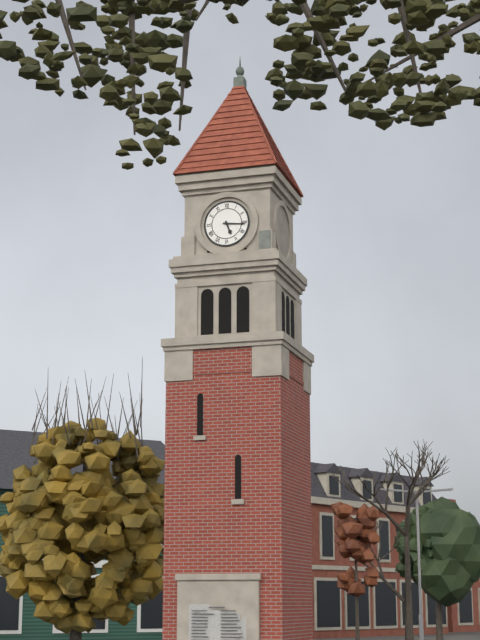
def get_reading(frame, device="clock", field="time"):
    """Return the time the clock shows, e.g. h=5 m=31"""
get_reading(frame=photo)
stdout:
h=5 m=16
